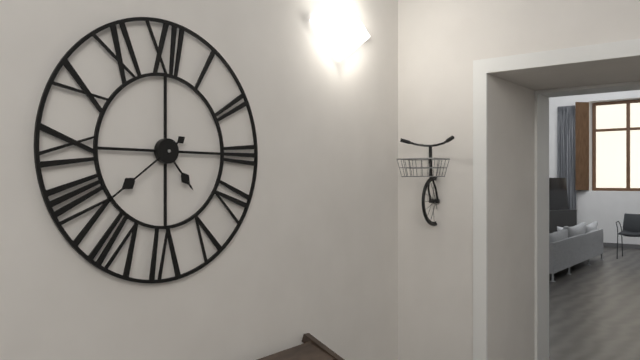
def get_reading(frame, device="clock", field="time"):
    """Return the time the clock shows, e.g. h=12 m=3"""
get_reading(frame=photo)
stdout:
h=4 m=39
